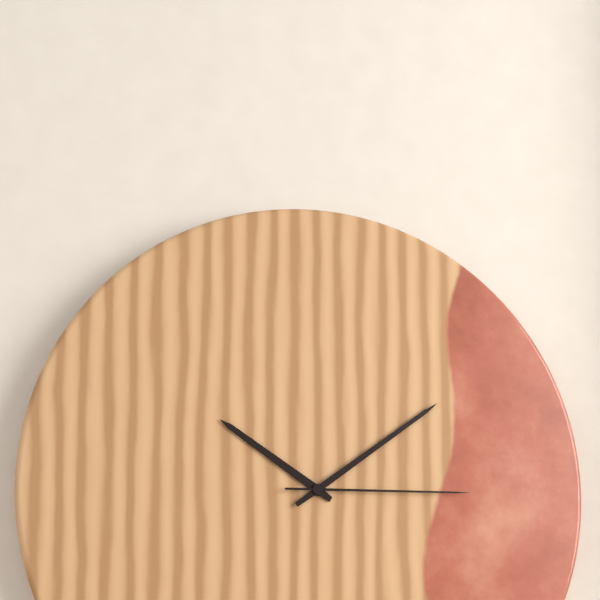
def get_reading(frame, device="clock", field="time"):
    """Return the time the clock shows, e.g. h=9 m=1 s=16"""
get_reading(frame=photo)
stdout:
h=10 m=9 s=15
